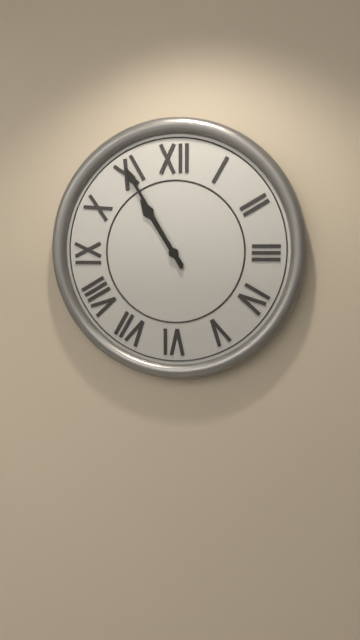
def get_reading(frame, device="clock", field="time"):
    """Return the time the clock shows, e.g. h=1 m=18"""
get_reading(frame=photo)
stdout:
h=10 m=55
